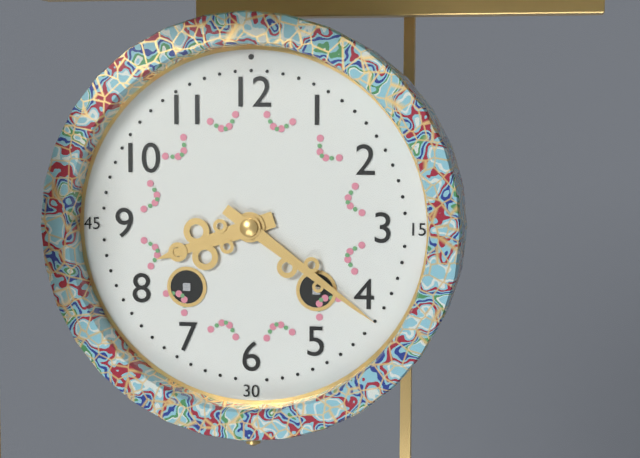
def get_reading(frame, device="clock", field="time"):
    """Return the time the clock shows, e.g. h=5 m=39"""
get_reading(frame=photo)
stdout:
h=8 m=21
